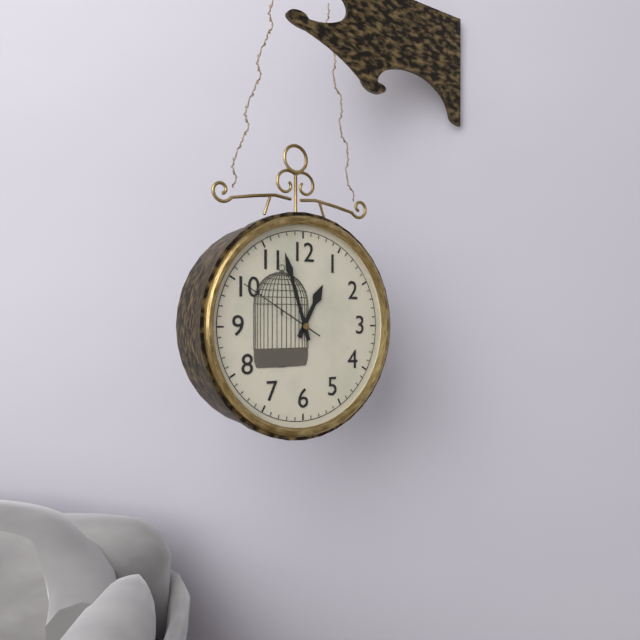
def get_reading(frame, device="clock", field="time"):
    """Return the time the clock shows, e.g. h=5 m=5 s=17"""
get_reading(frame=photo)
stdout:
h=12 m=57 s=50
